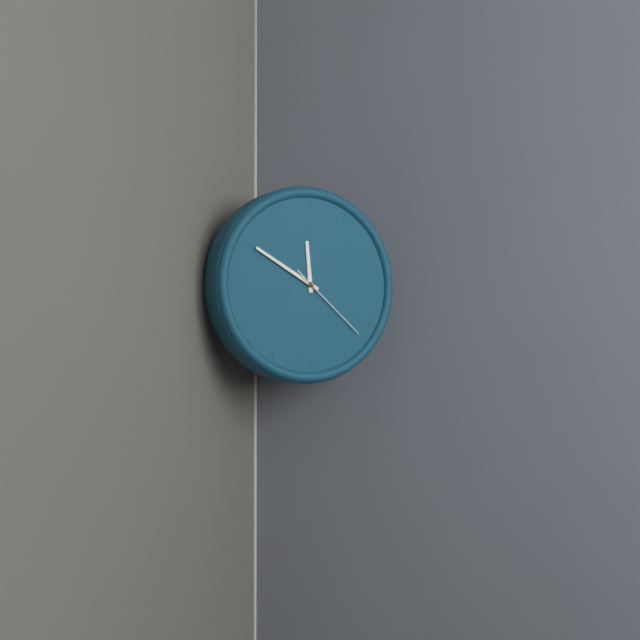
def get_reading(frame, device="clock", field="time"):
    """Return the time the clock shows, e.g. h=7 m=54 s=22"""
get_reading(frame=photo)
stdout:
h=11 m=50 s=22
